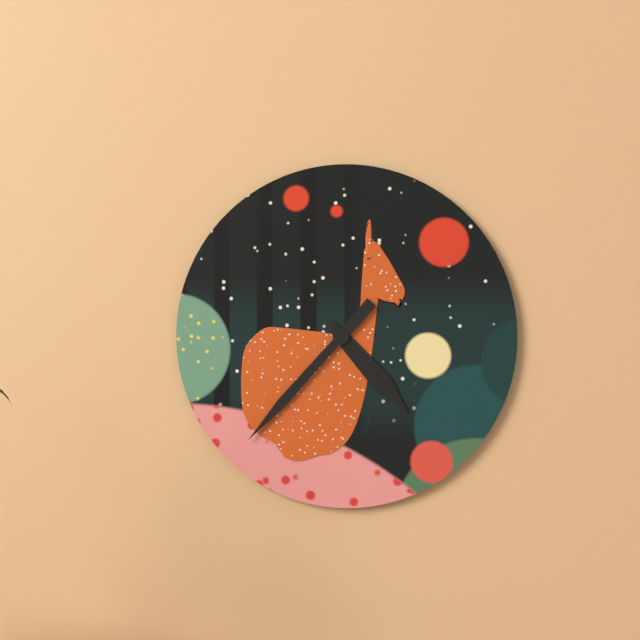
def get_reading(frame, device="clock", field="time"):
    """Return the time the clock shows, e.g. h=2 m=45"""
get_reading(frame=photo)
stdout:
h=4 m=37
